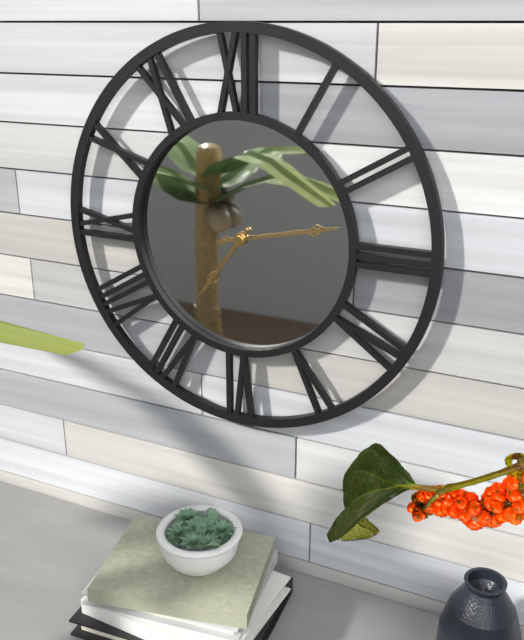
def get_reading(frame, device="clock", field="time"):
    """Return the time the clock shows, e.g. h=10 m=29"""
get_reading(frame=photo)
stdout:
h=7 m=13
